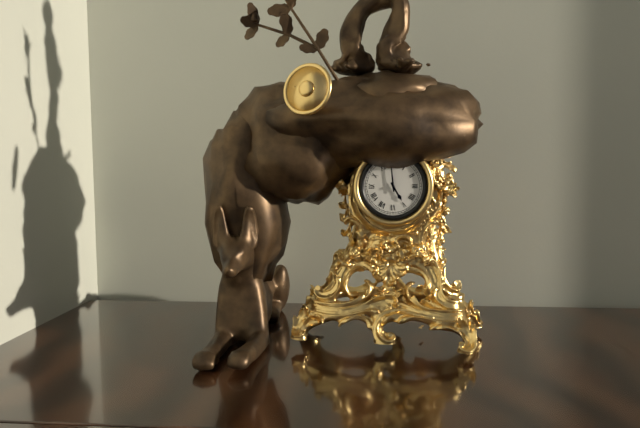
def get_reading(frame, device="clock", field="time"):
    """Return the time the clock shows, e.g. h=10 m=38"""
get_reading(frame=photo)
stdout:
h=4 m=59
